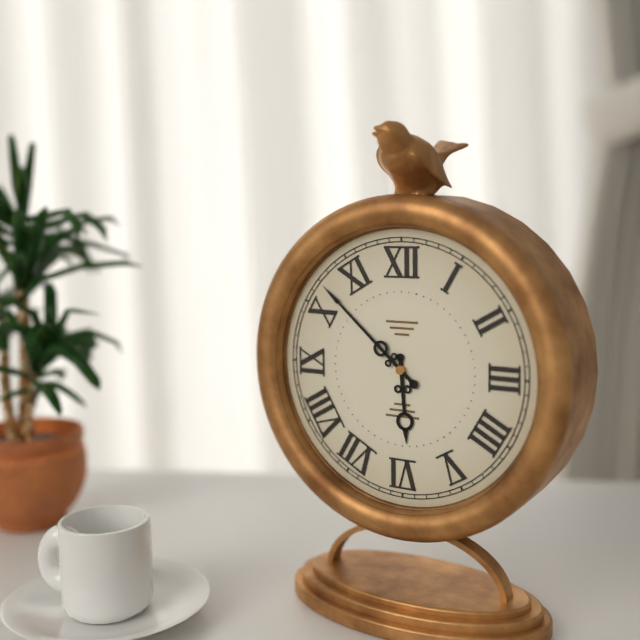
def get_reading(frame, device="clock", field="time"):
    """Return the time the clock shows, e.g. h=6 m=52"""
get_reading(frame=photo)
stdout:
h=5 m=52
